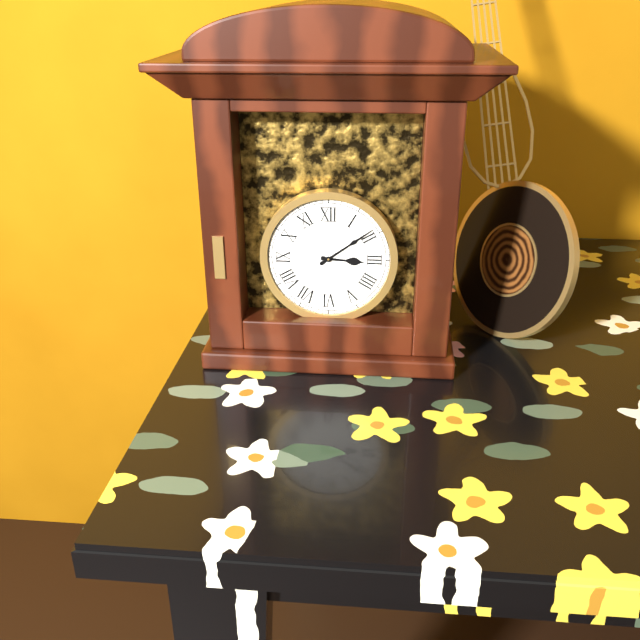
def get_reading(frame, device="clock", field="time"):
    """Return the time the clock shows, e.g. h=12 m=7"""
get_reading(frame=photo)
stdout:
h=3 m=9
